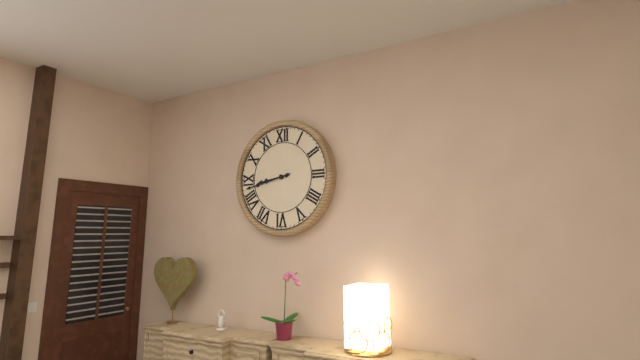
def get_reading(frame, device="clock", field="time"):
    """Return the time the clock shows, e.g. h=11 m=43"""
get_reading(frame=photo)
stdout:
h=8 m=43
